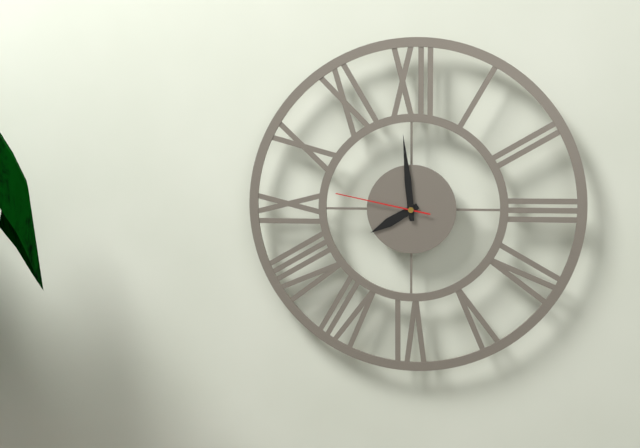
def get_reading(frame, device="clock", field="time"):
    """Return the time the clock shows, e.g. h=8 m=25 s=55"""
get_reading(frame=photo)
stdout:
h=7 m=59 s=47
